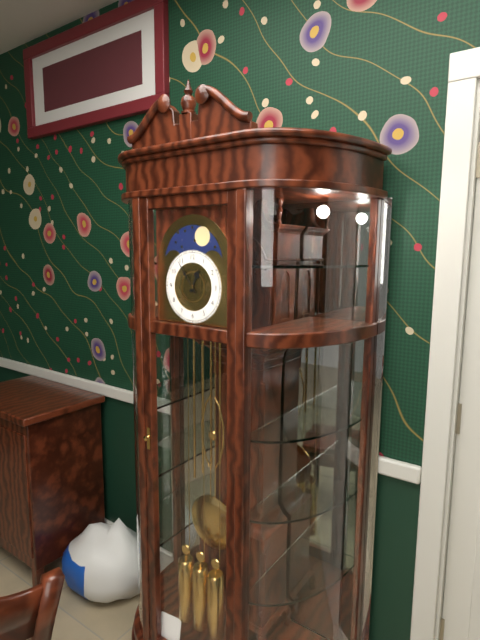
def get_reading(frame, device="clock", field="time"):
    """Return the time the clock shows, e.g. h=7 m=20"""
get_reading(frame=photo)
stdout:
h=12 m=54
